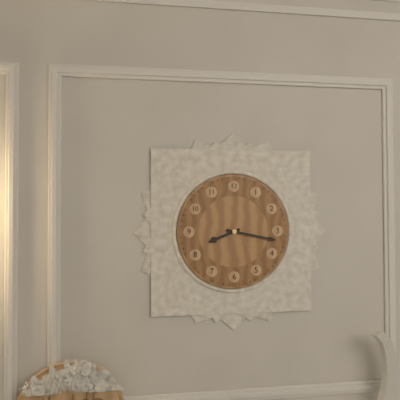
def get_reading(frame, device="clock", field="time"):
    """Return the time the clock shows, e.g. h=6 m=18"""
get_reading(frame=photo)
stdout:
h=8 m=17
